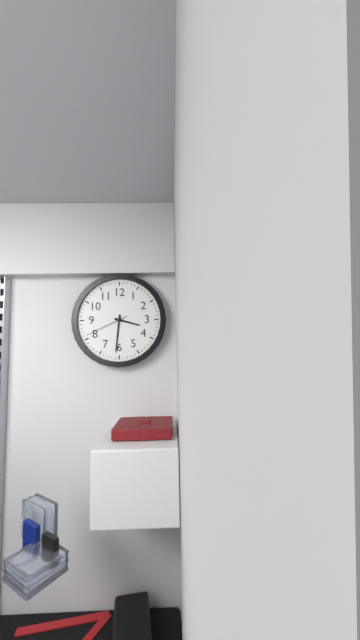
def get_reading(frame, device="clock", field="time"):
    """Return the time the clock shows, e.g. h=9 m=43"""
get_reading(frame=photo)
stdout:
h=3 m=31
